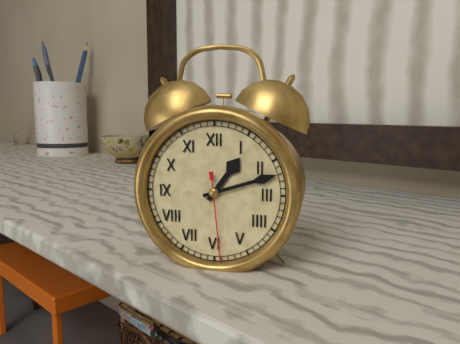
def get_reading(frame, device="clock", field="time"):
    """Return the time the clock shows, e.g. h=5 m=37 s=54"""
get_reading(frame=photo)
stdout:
h=1 m=12 s=29
